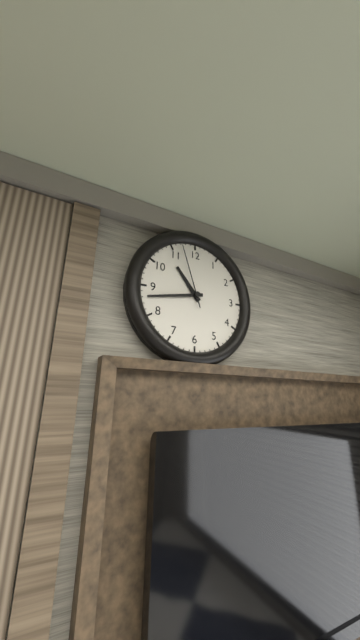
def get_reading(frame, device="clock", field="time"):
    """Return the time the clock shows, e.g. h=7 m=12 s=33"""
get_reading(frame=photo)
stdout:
h=10 m=43 s=57
